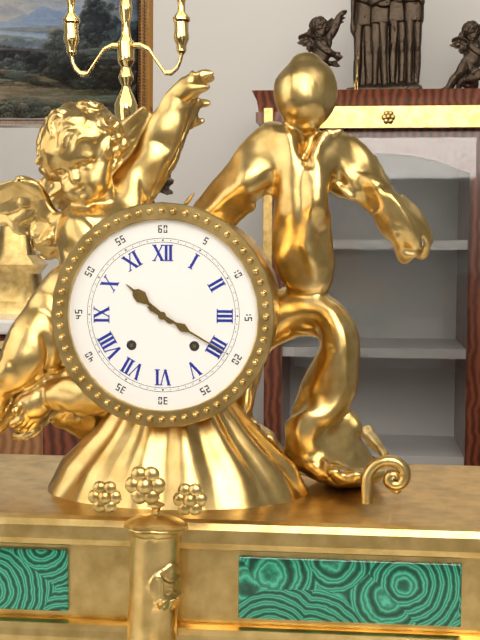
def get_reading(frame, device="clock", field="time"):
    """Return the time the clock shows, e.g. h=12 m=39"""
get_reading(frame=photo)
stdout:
h=10 m=20
